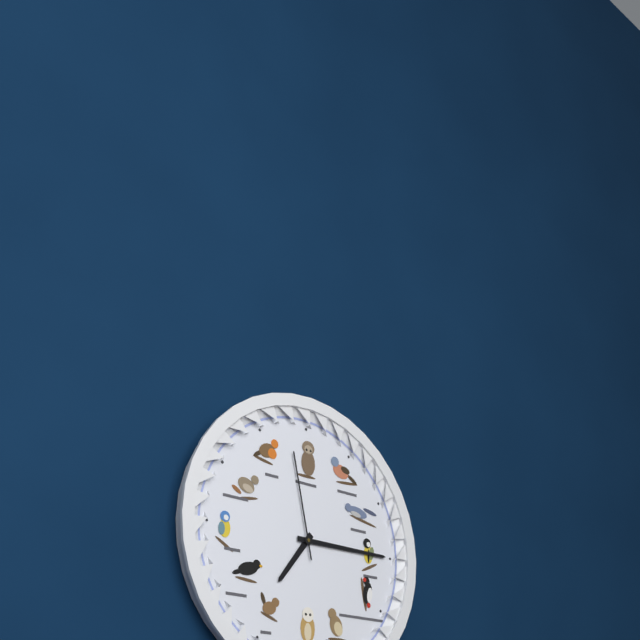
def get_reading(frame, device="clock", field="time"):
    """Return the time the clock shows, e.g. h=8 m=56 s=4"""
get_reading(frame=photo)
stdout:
h=7 m=15 s=58
